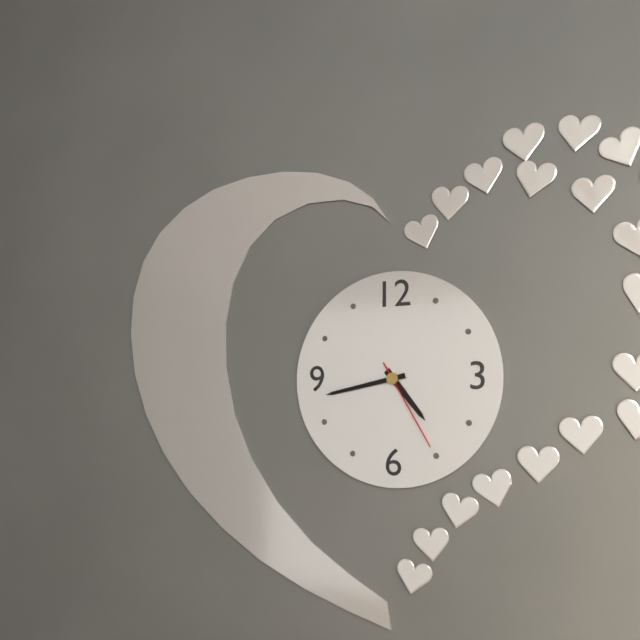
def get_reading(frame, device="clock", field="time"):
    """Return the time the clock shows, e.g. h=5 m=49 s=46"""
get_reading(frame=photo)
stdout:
h=4 m=43 s=25
